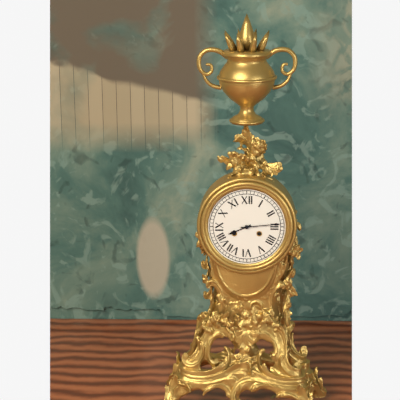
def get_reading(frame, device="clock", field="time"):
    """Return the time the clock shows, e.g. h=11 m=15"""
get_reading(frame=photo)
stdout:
h=8 m=14
